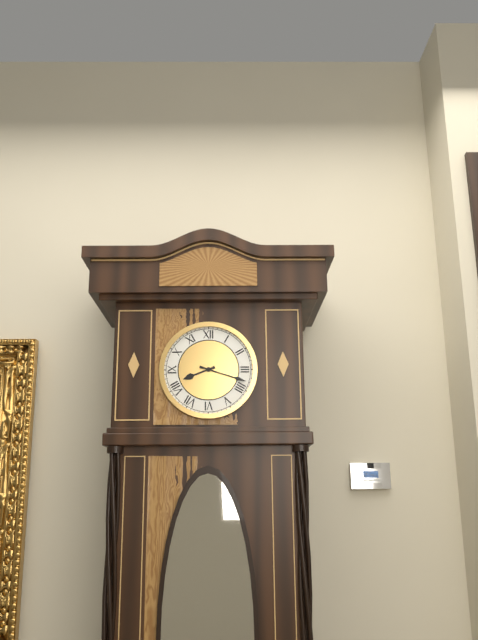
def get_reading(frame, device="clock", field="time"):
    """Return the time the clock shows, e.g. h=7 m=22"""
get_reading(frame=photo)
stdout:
h=8 m=18
